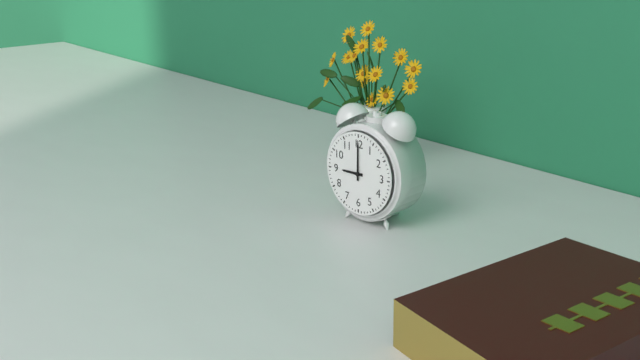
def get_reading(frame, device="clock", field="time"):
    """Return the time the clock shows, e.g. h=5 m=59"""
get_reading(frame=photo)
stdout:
h=9 m=0
